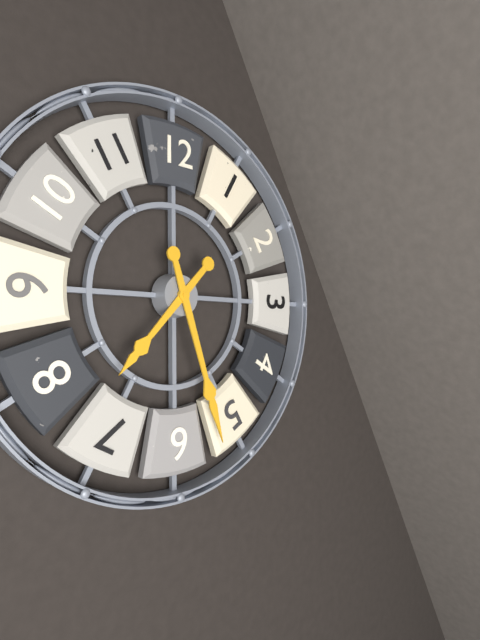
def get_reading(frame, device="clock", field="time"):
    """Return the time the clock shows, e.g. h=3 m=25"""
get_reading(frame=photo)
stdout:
h=7 m=27
